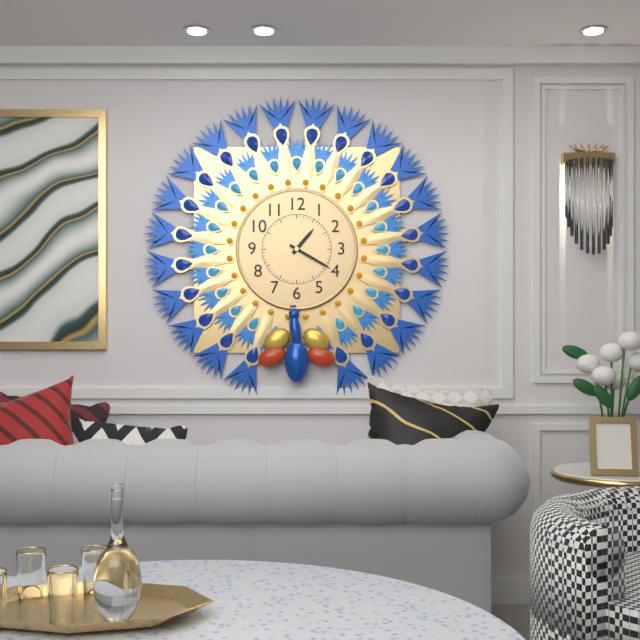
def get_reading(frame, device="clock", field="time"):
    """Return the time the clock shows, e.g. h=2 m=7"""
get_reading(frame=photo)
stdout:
h=1 m=20
